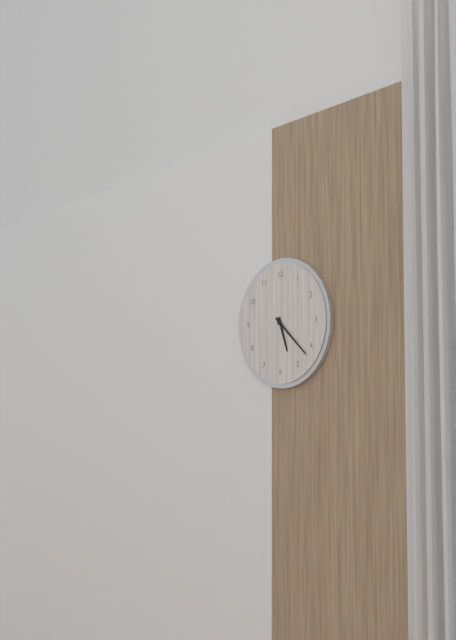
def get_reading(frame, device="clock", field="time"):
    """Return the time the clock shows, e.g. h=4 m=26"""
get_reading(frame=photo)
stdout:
h=5 m=22
